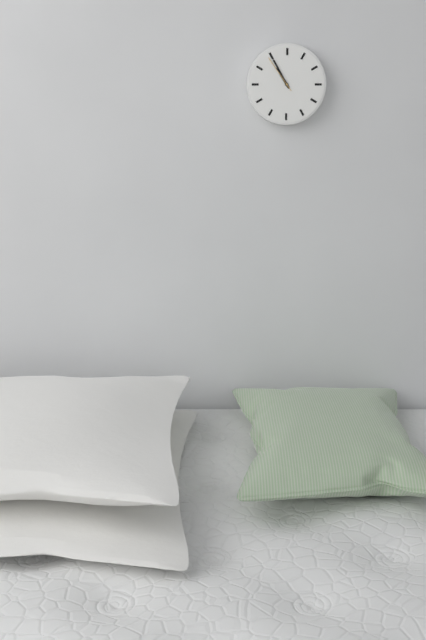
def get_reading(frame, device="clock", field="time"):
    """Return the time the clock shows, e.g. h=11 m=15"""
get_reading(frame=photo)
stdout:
h=10 m=55
